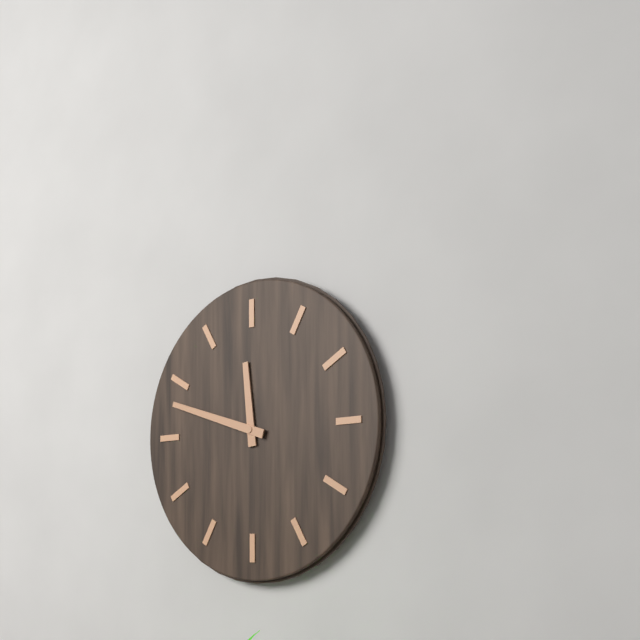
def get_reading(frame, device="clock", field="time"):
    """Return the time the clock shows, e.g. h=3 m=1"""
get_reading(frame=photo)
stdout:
h=11 m=48
